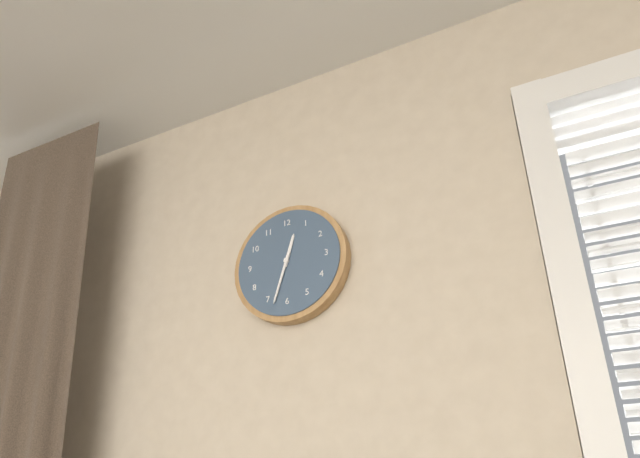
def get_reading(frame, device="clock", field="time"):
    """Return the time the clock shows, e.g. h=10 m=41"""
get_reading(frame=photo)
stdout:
h=12 m=33
